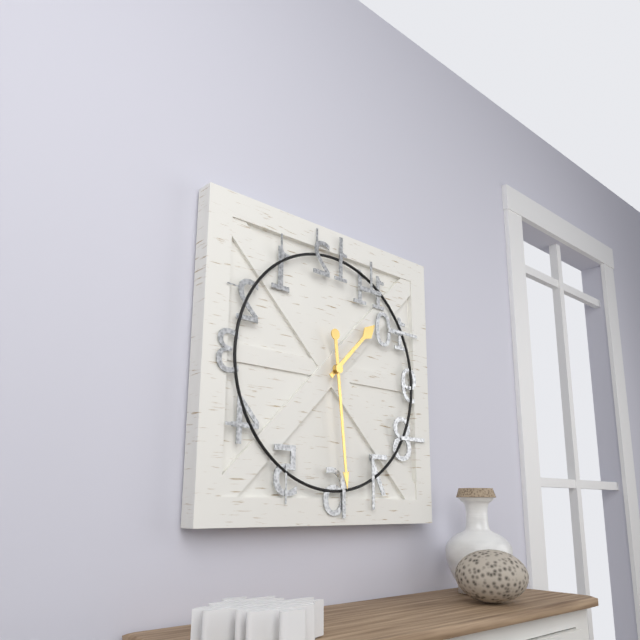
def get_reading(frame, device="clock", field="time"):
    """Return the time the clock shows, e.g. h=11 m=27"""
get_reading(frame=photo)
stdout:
h=1 m=29
